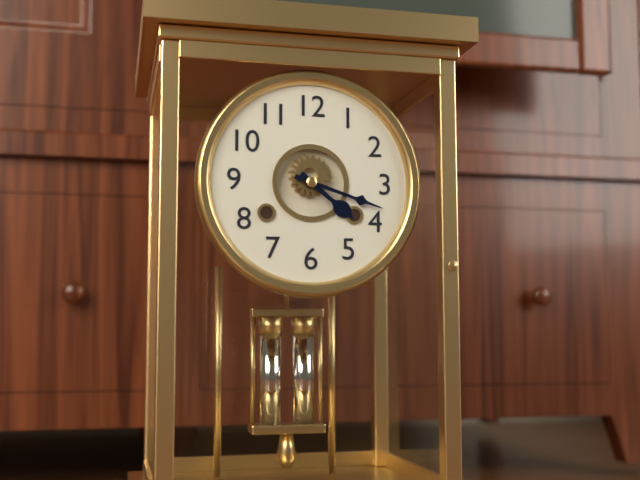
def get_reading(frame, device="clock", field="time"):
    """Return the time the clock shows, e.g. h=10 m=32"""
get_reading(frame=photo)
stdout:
h=4 m=18
